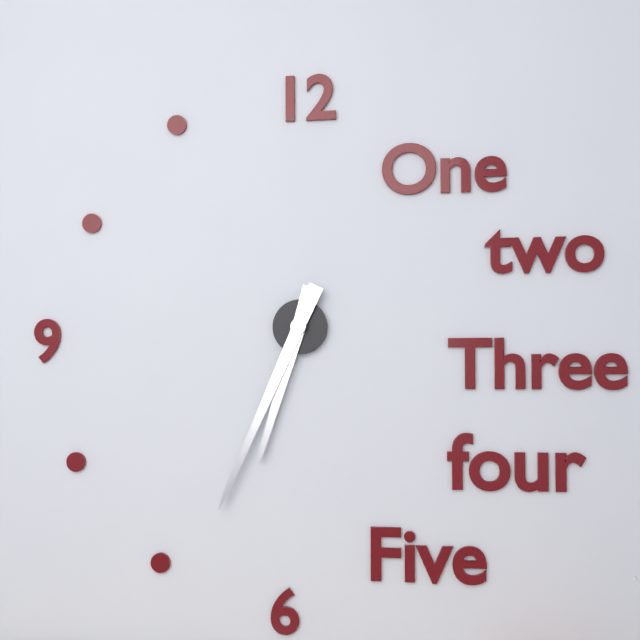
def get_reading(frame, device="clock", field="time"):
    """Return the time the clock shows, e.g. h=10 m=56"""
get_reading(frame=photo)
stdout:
h=6 m=34
